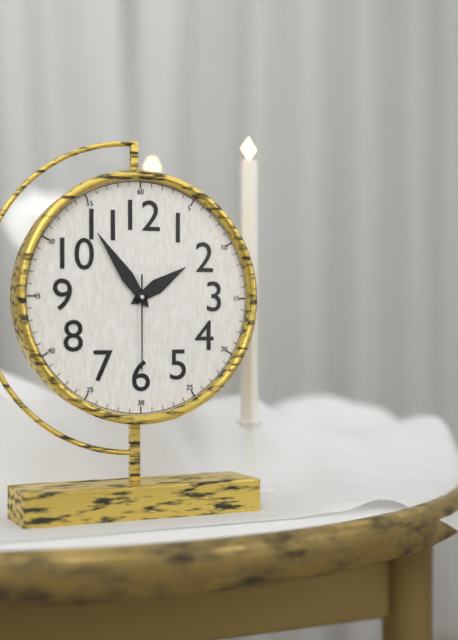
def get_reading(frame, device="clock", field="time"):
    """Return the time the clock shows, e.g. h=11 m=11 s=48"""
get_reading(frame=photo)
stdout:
h=1 m=54 s=30
